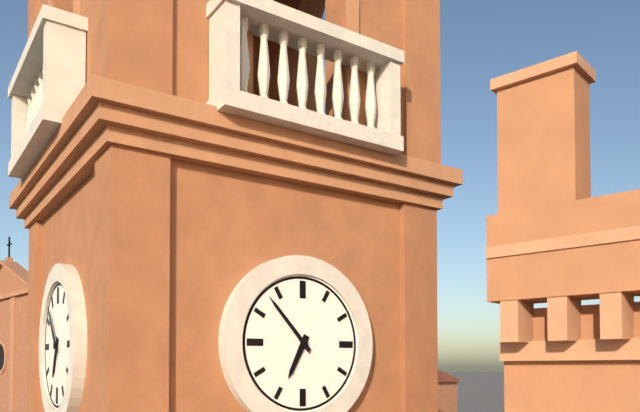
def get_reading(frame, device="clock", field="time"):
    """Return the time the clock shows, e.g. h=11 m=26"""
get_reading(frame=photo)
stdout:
h=6 m=53
